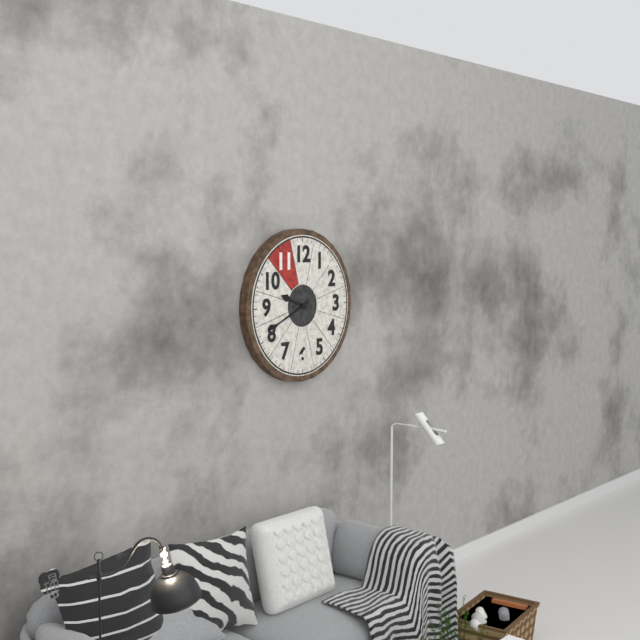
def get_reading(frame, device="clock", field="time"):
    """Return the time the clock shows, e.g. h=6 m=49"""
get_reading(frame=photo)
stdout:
h=9 m=41
